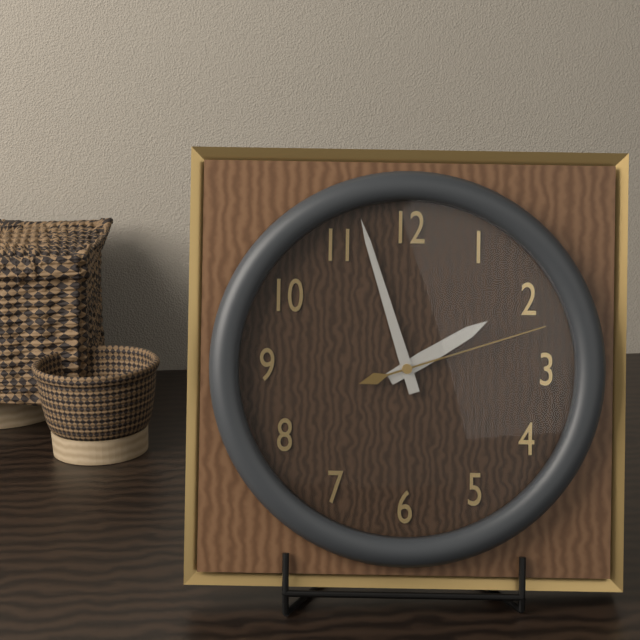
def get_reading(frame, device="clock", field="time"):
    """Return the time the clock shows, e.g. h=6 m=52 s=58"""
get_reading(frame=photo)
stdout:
h=1 m=57 s=12
